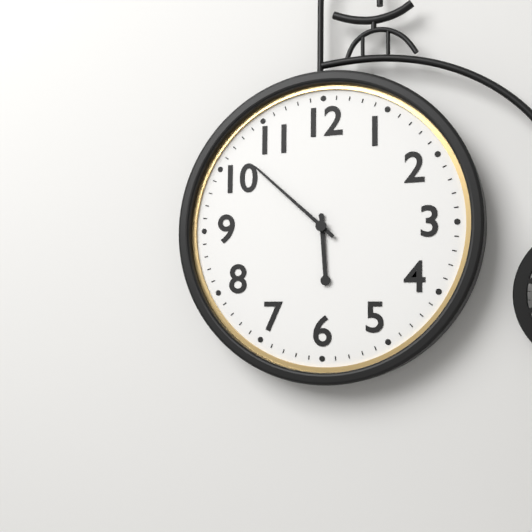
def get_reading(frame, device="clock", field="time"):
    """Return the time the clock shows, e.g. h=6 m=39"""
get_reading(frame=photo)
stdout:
h=5 m=52
